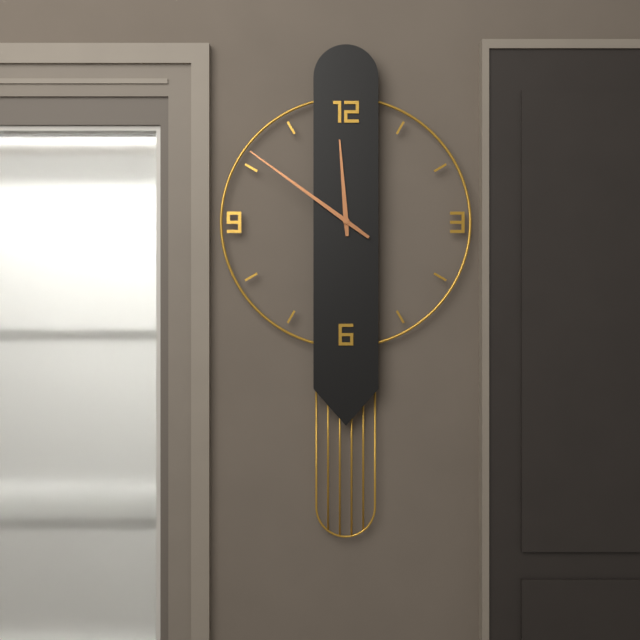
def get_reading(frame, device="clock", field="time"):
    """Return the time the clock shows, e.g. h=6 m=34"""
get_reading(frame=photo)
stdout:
h=11 m=51
